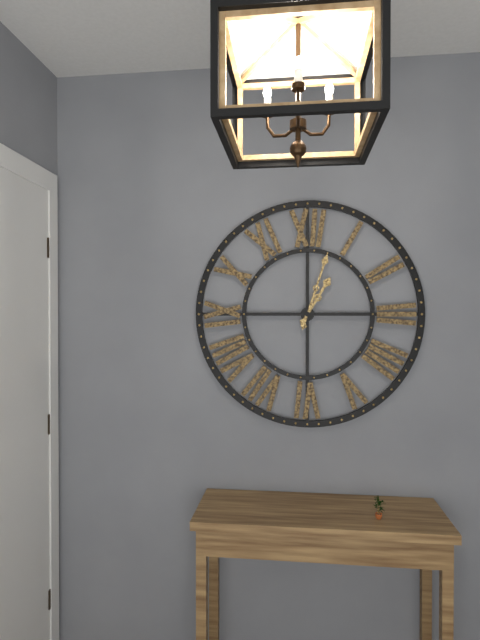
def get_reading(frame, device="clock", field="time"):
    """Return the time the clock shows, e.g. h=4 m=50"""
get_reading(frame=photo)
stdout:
h=1 m=3
